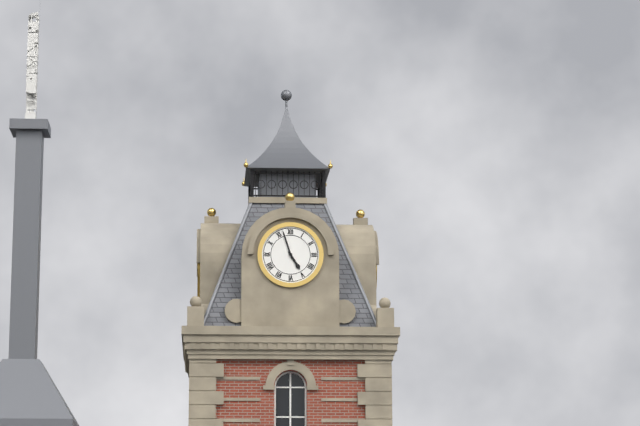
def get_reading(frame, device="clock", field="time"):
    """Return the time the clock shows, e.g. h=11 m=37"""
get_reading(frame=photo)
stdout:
h=4 m=57
